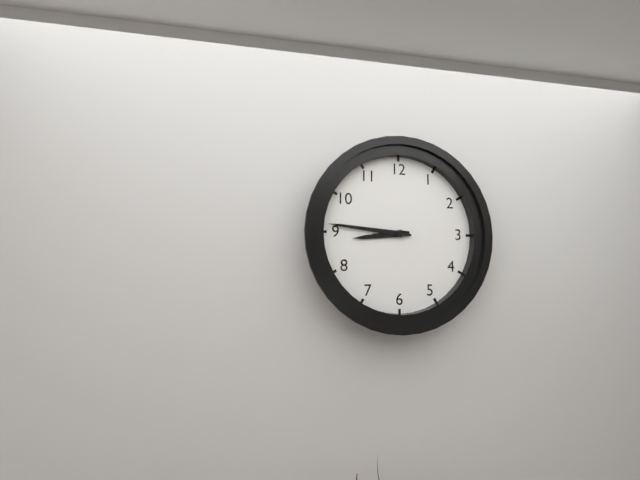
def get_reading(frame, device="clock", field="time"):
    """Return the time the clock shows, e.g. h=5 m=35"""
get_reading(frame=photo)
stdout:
h=8 m=46
